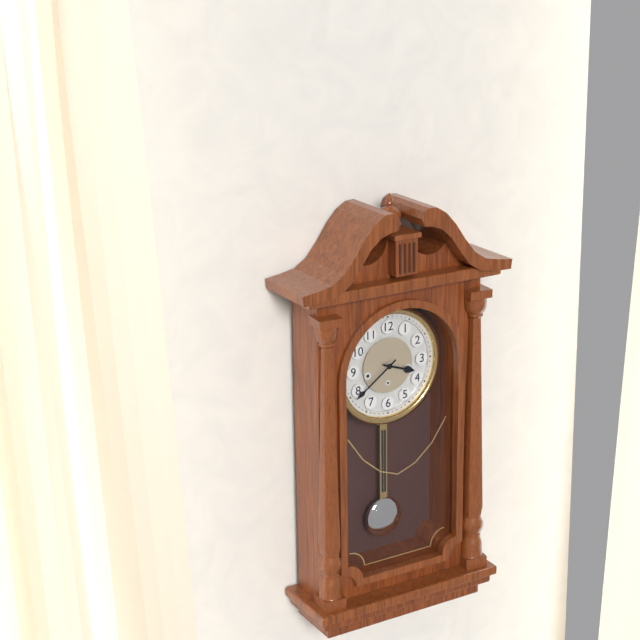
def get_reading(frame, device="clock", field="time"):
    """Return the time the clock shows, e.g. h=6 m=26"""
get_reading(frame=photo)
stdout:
h=3 m=39
